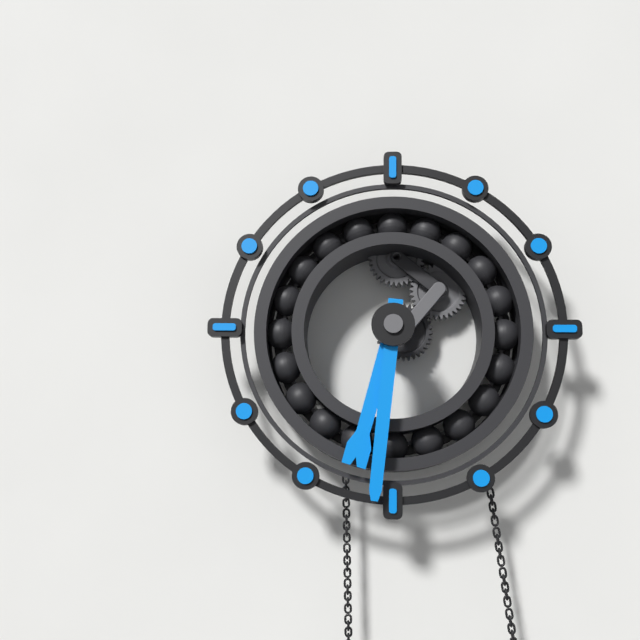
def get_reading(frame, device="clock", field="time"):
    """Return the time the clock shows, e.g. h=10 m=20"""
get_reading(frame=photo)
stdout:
h=6 m=31
